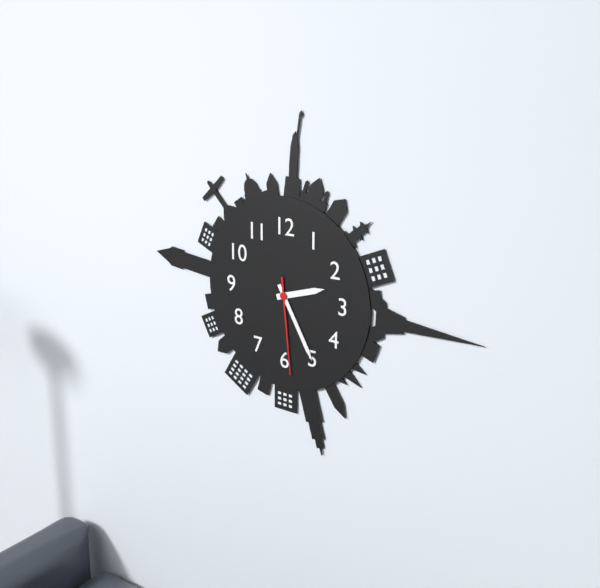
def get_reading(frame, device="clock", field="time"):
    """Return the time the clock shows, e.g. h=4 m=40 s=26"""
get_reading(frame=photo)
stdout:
h=2 m=25 s=29
